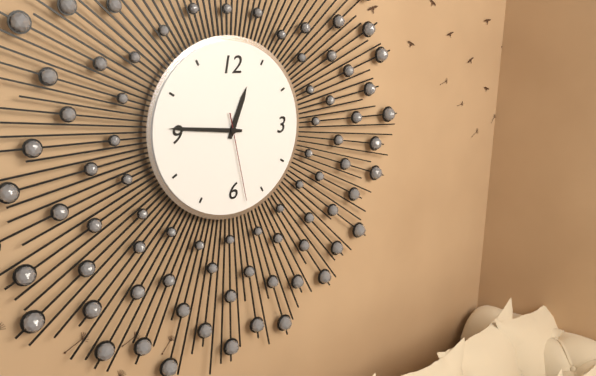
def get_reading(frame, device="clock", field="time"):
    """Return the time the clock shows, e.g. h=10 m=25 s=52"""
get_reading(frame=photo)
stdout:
h=12 m=46 s=28
